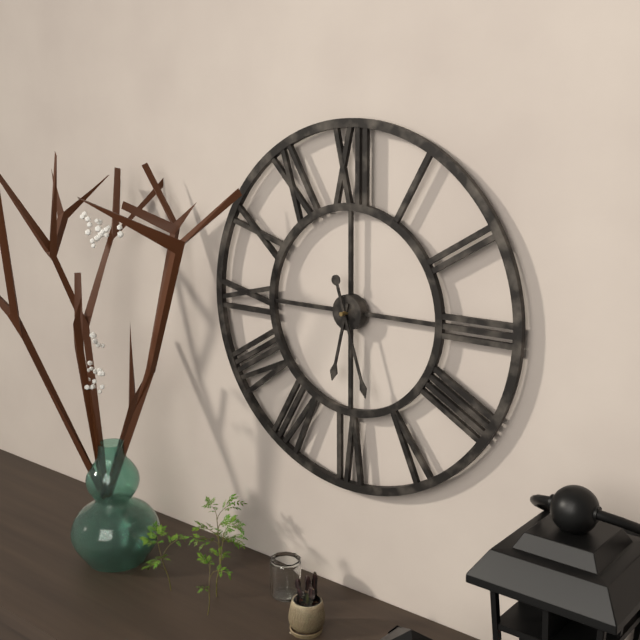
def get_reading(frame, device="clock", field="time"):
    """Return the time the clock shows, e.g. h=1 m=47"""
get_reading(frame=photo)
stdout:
h=6 m=27
